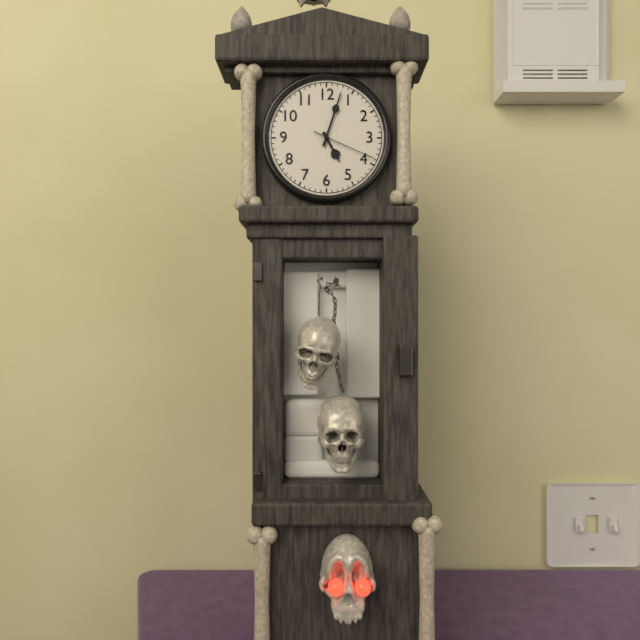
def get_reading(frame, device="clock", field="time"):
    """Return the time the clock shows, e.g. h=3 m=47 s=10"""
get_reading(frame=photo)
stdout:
h=5 m=3 s=19
